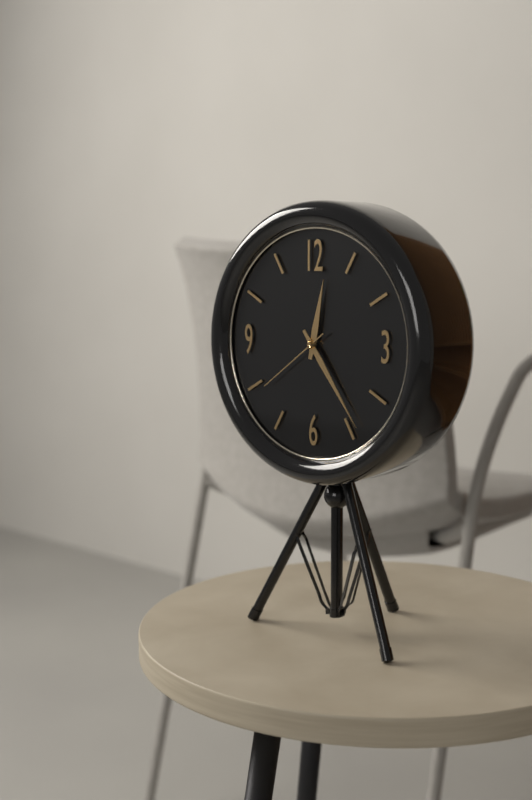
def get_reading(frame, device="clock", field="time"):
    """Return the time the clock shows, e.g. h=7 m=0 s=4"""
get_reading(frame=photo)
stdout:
h=12 m=24 s=39
